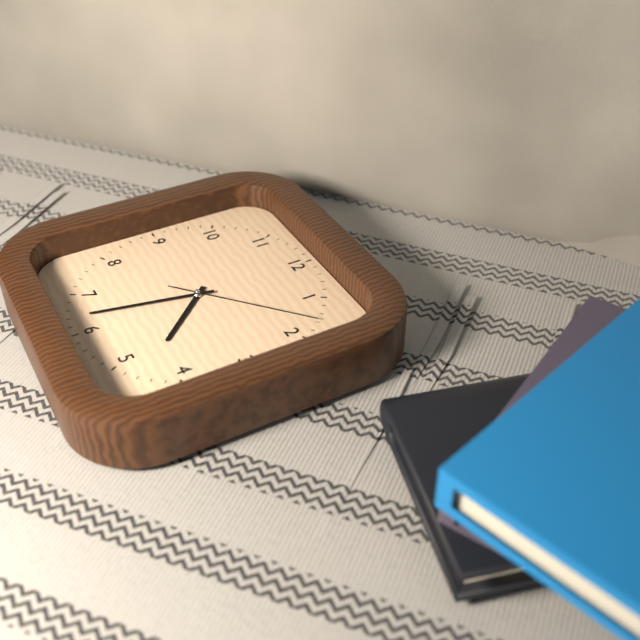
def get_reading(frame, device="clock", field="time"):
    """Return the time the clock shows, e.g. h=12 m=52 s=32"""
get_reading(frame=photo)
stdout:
h=4 m=32 s=8
